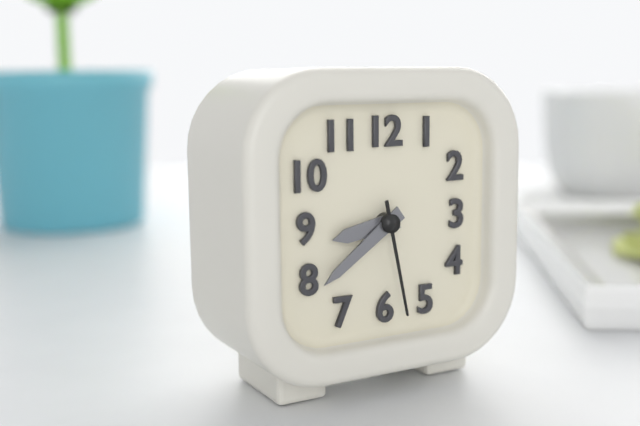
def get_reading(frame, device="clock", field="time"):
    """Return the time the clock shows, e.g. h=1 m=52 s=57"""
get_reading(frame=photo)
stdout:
h=8 m=39 s=28
